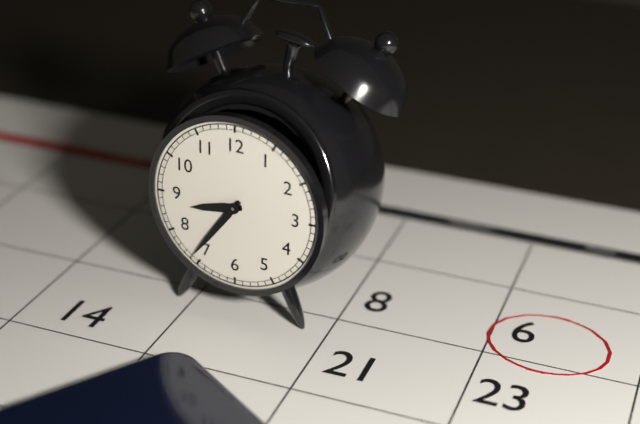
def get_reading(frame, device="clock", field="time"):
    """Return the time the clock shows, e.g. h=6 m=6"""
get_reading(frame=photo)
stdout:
h=8 m=36
